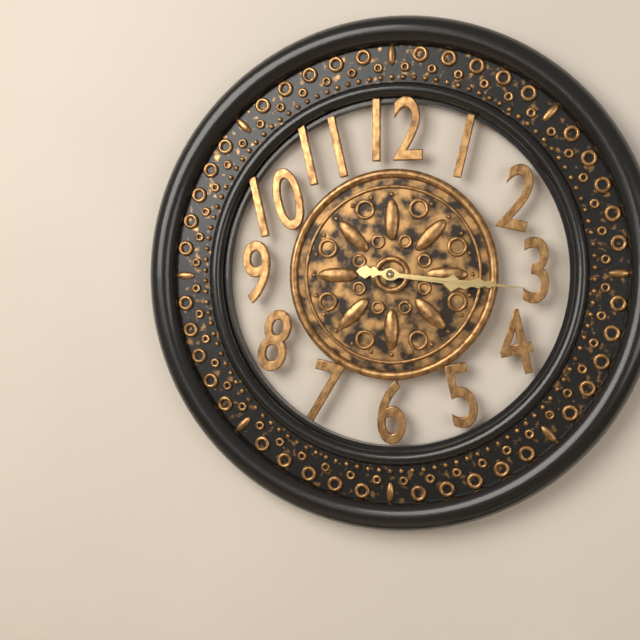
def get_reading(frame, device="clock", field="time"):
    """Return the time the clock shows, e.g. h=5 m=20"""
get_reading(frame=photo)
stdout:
h=3 m=16
